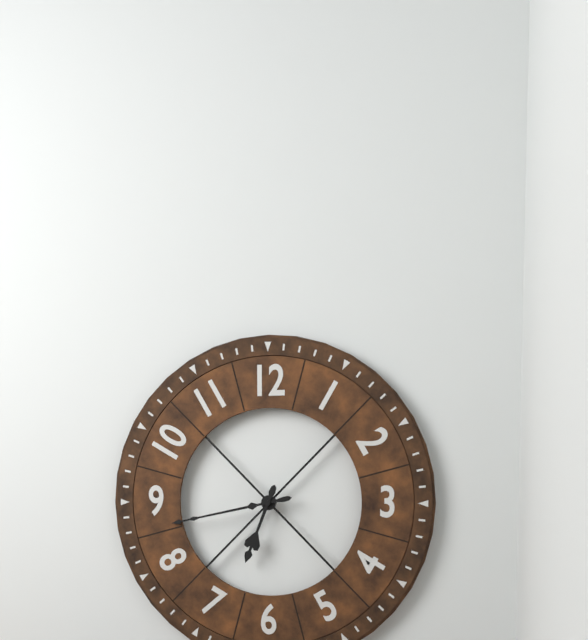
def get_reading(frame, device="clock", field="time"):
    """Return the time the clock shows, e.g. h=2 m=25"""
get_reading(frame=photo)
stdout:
h=6 m=43
